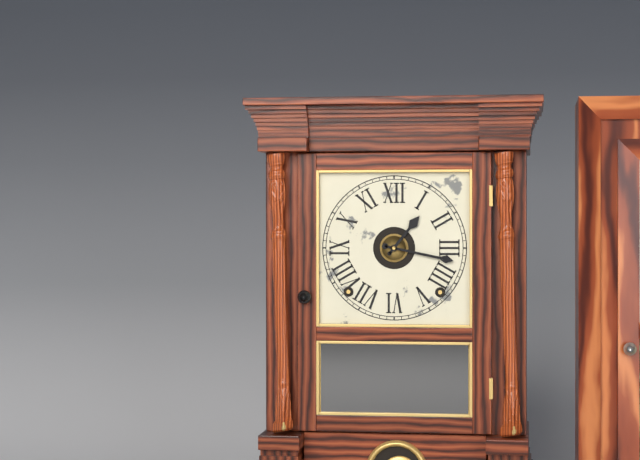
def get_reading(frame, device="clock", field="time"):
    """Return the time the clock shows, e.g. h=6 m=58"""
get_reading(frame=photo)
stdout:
h=1 m=17
